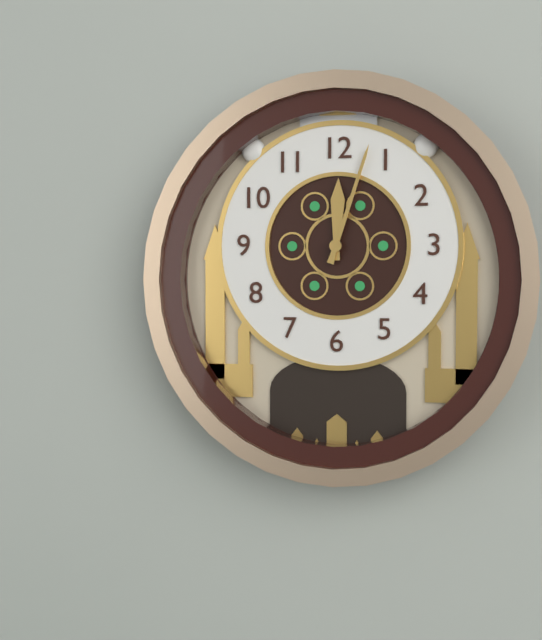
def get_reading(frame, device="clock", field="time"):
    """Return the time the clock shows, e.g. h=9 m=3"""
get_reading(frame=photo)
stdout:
h=12 m=3
